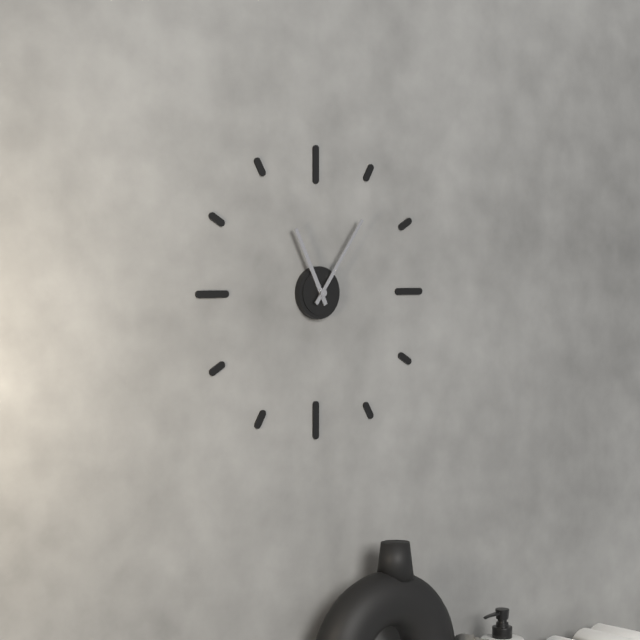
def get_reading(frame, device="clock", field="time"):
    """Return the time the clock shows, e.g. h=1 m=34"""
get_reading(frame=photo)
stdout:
h=11 m=6
